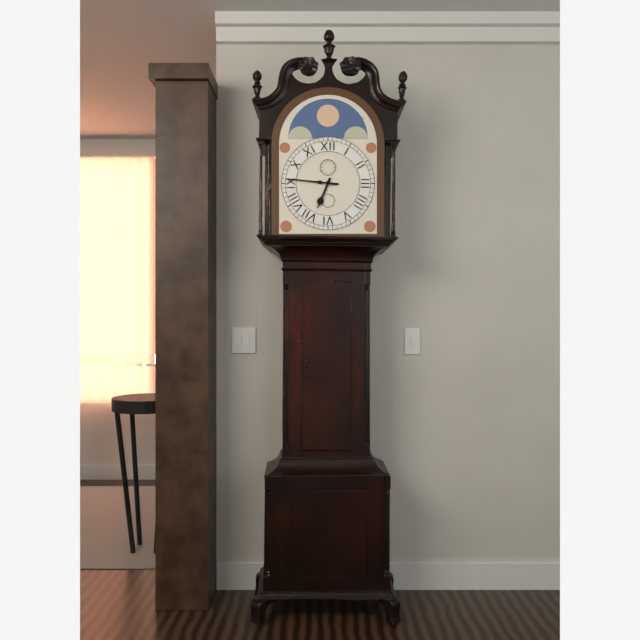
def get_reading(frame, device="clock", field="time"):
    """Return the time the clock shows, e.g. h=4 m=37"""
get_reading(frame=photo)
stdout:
h=6 m=46
